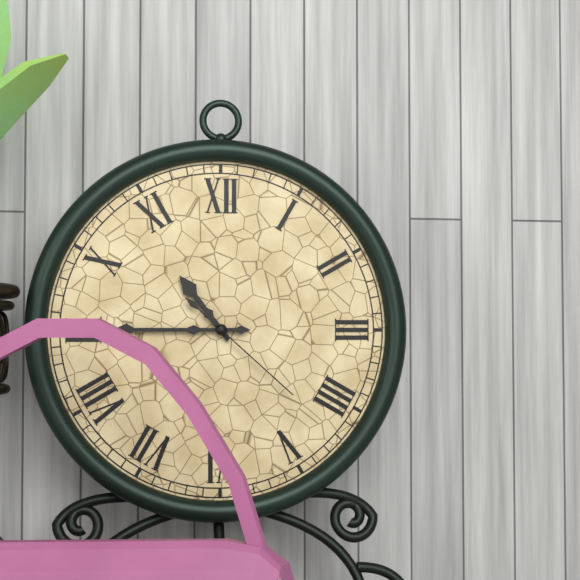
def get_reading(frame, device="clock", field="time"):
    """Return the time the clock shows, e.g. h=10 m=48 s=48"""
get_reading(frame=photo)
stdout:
h=10 m=45 s=22
